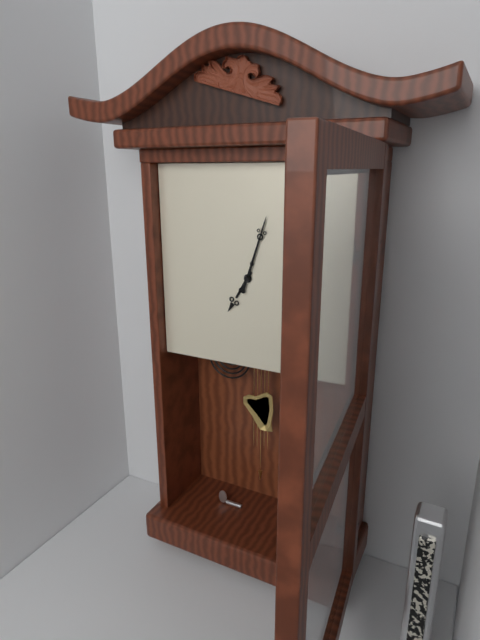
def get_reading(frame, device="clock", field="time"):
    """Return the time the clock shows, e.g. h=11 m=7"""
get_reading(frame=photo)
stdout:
h=7 m=3
